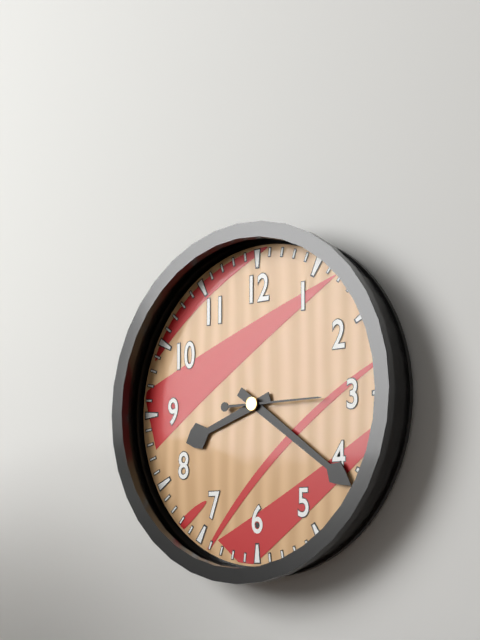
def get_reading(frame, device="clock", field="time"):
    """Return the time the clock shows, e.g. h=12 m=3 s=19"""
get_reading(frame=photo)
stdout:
h=8 m=21 s=15
